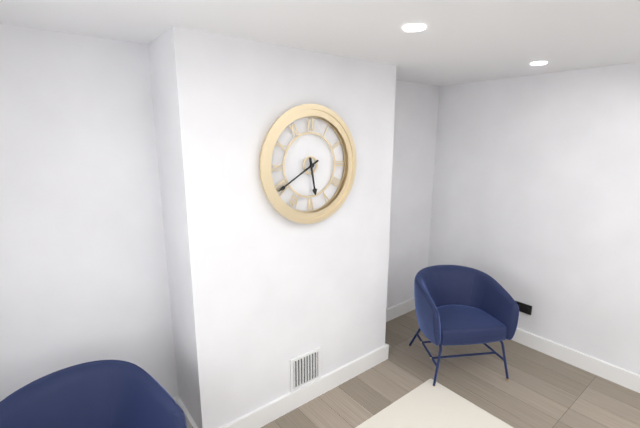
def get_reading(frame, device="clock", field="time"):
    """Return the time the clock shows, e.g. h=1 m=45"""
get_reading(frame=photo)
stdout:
h=5 m=40
